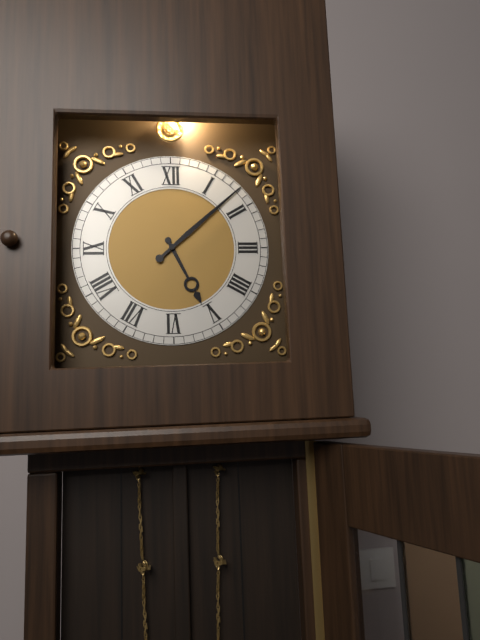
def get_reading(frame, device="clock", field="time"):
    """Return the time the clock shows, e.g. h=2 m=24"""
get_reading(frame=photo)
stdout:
h=5 m=8
